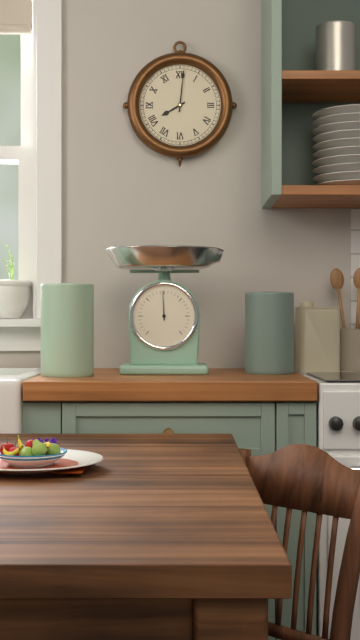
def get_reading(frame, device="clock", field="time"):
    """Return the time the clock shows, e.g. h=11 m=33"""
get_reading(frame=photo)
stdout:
h=8 m=1
